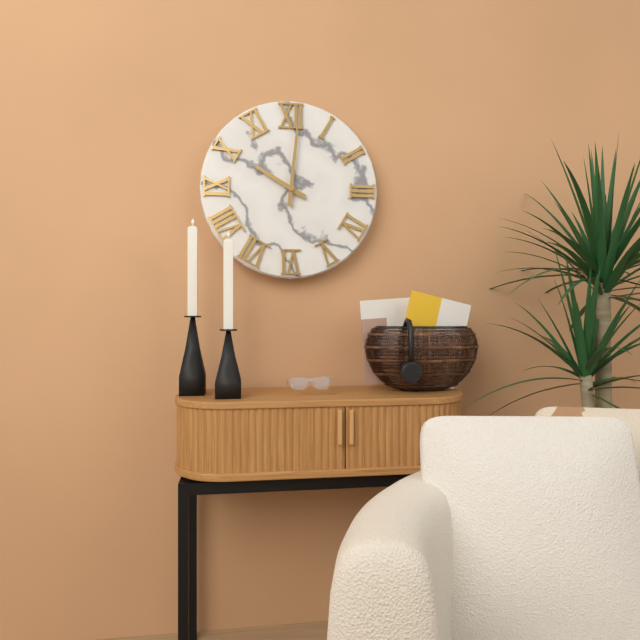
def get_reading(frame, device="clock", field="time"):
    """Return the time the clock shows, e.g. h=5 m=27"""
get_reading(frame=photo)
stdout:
h=10 m=1
